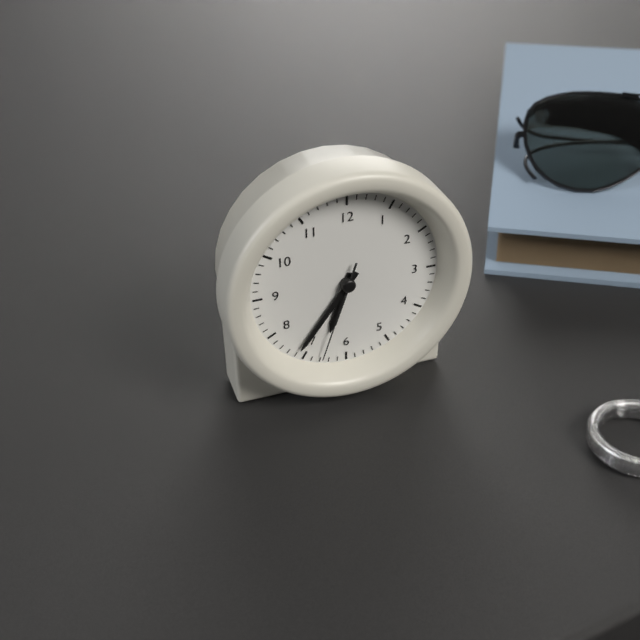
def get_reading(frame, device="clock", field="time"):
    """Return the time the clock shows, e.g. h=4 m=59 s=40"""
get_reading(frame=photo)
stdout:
h=6 m=36 s=33
